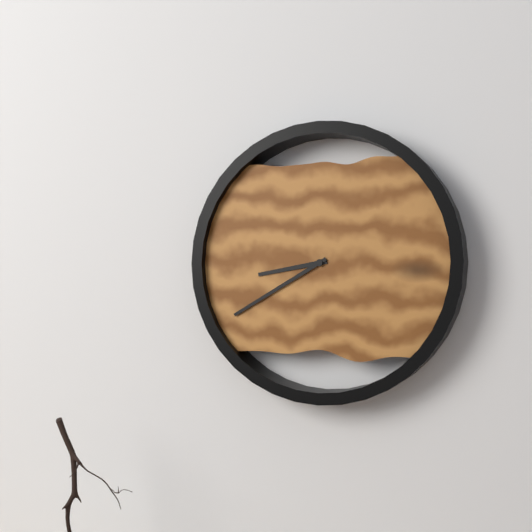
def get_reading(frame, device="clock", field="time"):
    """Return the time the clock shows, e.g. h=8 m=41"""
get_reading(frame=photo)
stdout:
h=8 m=40
